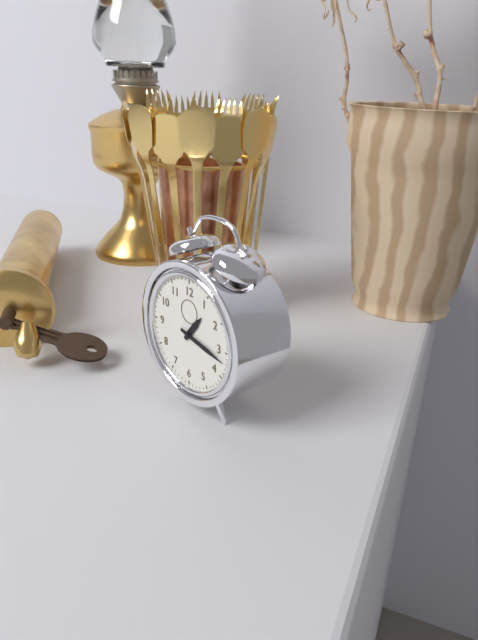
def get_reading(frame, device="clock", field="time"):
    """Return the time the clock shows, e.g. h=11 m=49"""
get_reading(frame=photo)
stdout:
h=1 m=17
